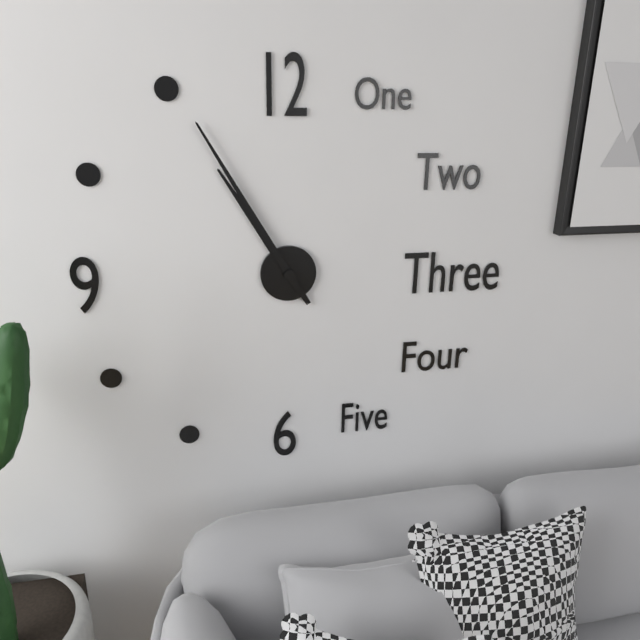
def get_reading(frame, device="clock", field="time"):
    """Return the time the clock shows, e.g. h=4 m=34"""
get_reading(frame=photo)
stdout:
h=10 m=55
